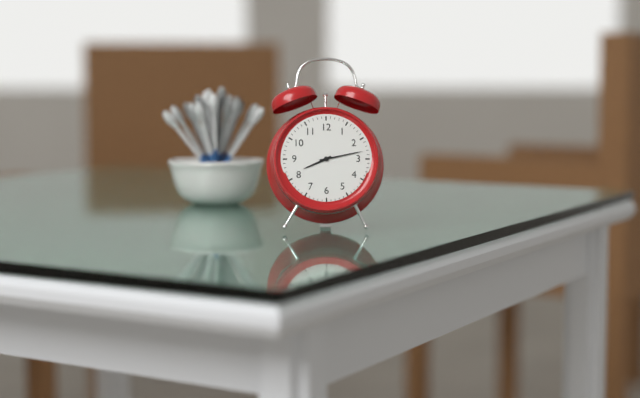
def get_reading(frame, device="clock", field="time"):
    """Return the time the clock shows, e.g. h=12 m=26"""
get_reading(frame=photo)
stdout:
h=8 m=13
